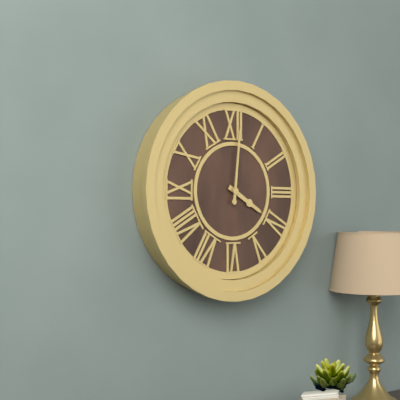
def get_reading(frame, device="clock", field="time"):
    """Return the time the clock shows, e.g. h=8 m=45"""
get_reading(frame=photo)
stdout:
h=4 m=1
